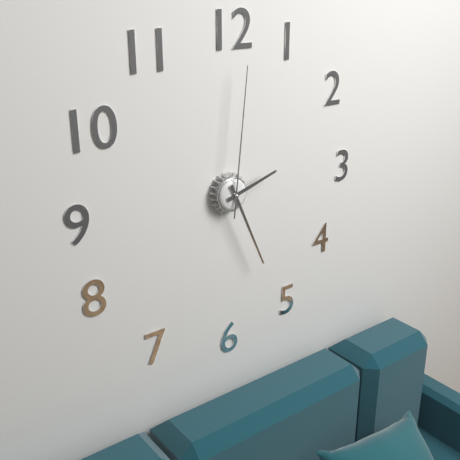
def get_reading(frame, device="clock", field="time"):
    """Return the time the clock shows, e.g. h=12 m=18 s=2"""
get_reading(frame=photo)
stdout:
h=2 m=26 s=1
